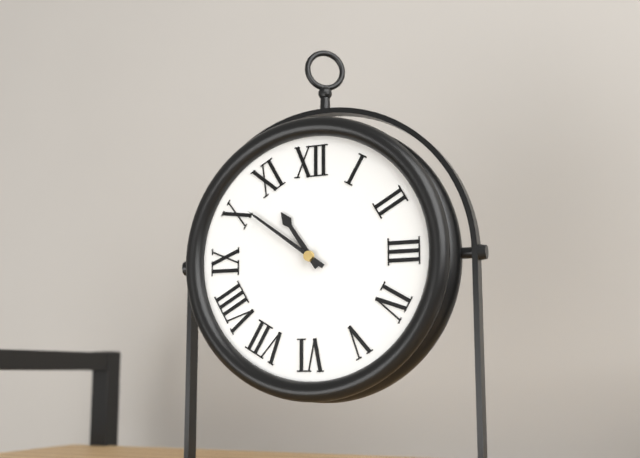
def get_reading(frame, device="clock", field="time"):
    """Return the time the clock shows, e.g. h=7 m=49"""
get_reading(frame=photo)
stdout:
h=10 m=51
